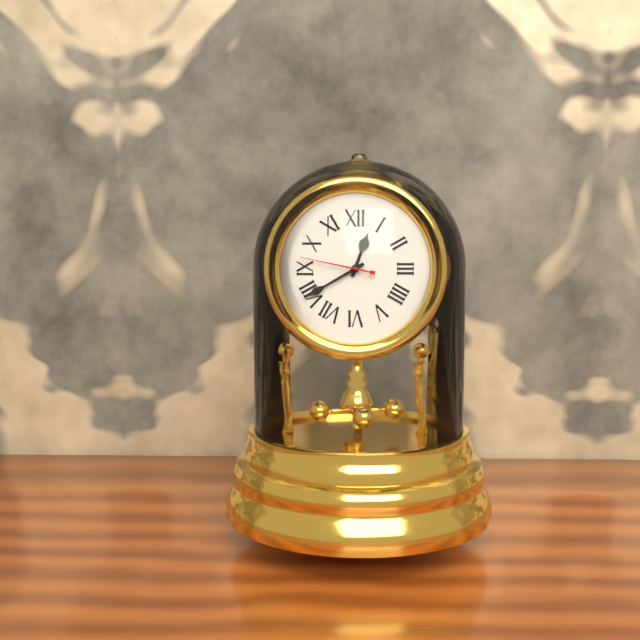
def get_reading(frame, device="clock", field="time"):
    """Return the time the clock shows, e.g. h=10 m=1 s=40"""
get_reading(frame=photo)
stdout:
h=12 m=40 s=47
